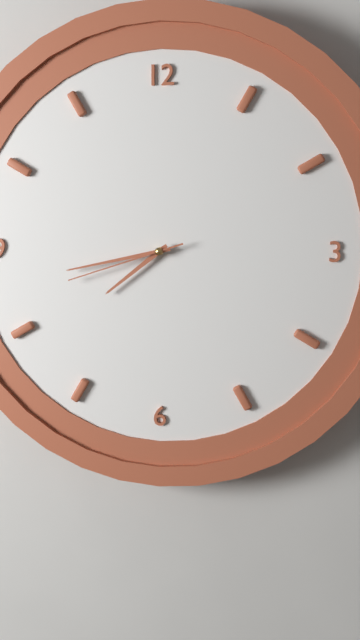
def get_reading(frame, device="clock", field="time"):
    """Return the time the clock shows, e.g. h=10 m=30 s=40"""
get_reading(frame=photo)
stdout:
h=7 m=43 s=42
